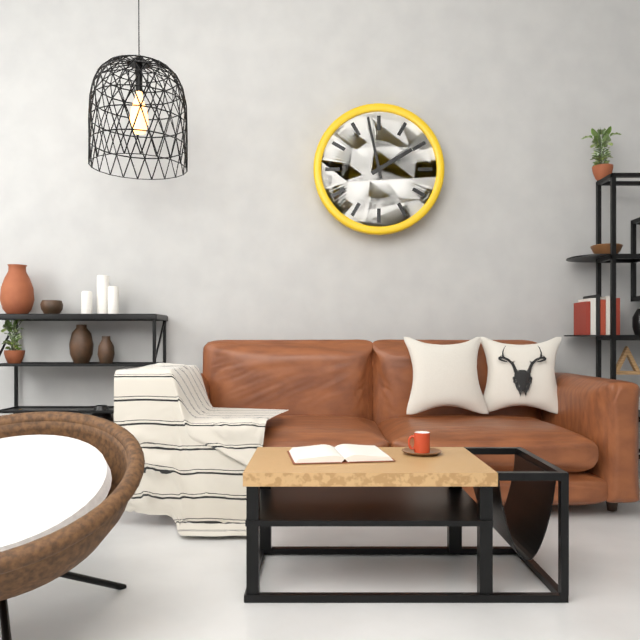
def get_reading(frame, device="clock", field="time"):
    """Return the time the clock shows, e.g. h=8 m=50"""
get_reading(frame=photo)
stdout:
h=1 m=58
